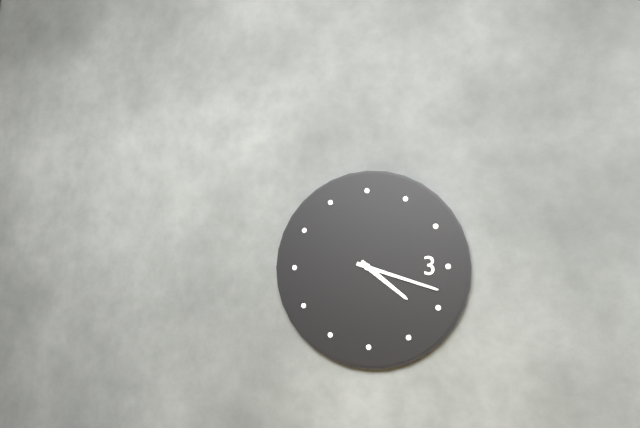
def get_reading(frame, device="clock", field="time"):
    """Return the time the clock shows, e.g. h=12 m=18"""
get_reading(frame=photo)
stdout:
h=4 m=18
